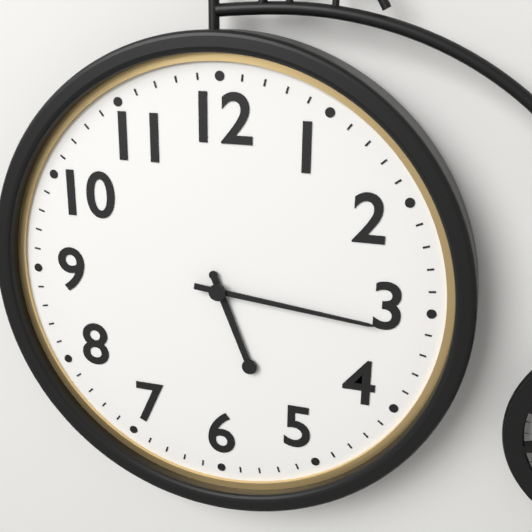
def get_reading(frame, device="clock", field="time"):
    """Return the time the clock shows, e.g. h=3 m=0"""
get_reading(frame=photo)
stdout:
h=5 m=16
